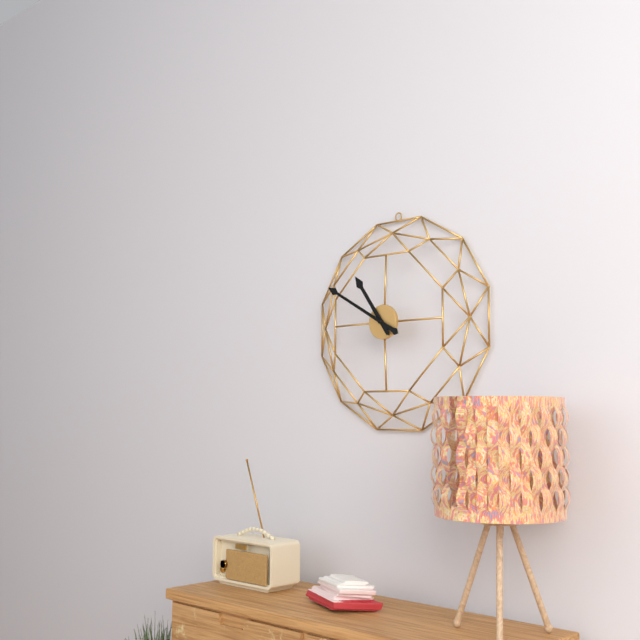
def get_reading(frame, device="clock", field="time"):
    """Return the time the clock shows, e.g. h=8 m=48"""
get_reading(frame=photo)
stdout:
h=10 m=50
